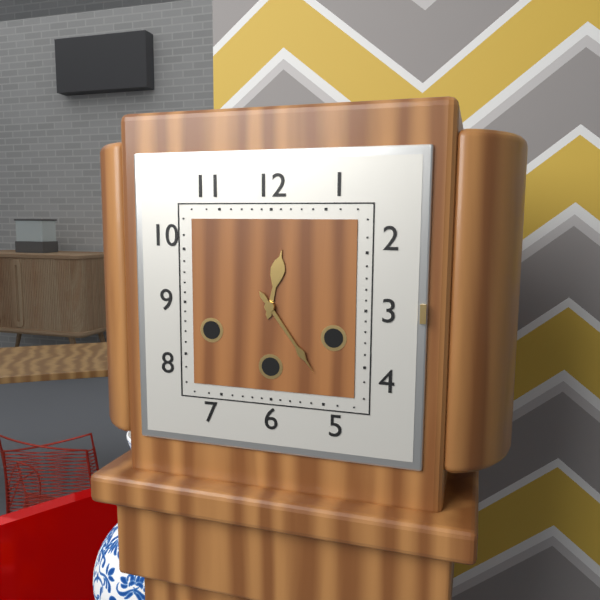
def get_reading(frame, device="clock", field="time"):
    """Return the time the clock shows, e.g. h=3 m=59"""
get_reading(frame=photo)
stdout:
h=12 m=24
